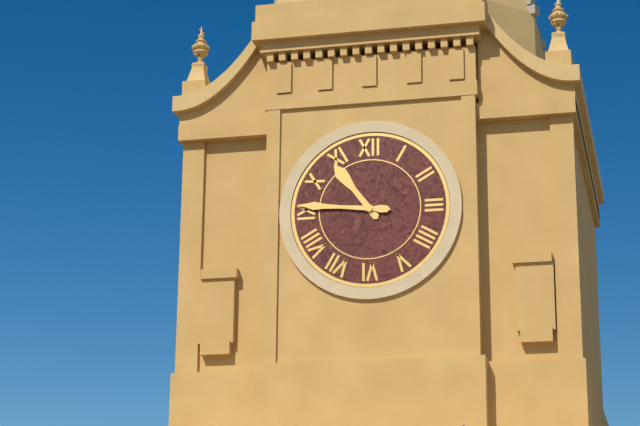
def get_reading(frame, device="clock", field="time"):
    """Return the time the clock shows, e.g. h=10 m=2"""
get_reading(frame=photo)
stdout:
h=10 m=46
